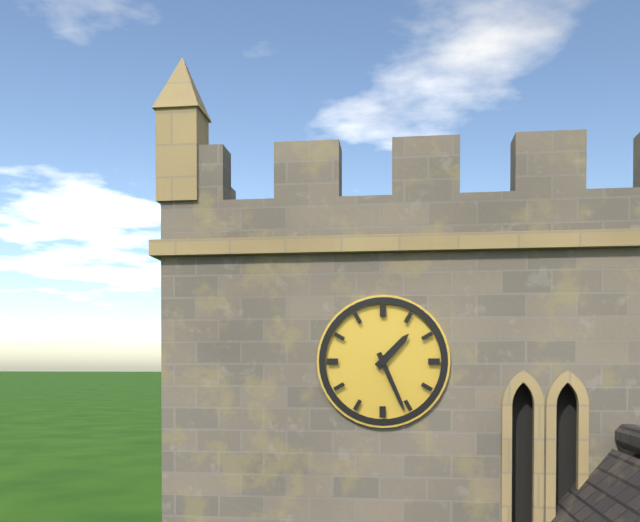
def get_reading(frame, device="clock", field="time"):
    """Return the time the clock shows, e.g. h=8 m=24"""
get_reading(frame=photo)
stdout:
h=1 m=26
